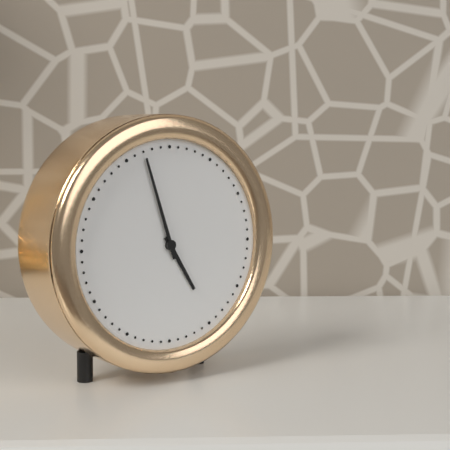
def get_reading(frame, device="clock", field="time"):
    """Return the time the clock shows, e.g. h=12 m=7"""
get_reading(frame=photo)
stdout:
h=4 m=57
